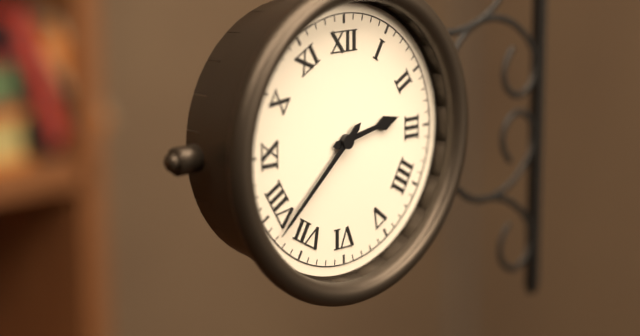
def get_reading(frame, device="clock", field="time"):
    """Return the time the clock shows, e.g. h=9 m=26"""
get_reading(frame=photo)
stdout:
h=2 m=38
